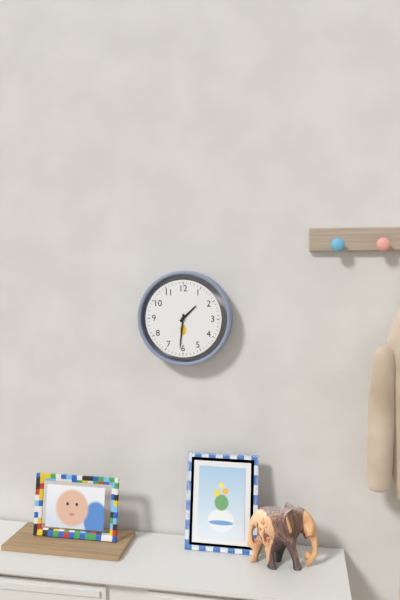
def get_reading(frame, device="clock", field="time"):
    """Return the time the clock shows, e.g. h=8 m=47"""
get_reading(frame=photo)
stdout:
h=1 m=31
